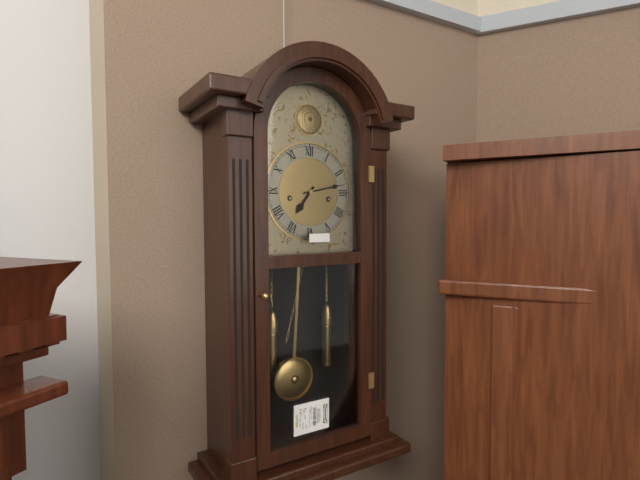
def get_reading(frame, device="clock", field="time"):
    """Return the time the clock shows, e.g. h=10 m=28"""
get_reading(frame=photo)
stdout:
h=7 m=13
